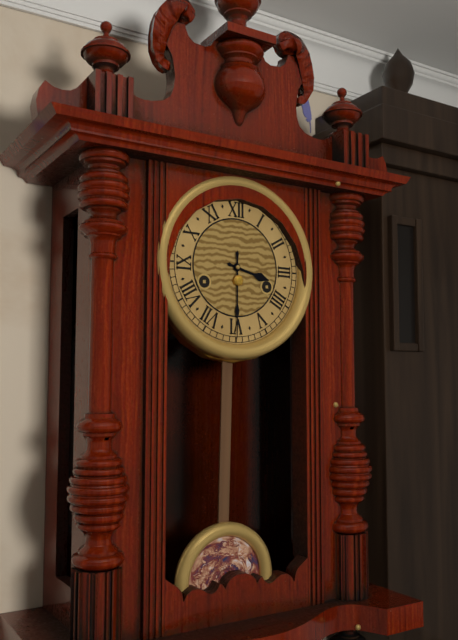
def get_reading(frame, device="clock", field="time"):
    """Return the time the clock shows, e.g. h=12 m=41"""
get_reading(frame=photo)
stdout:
h=3 m=30
